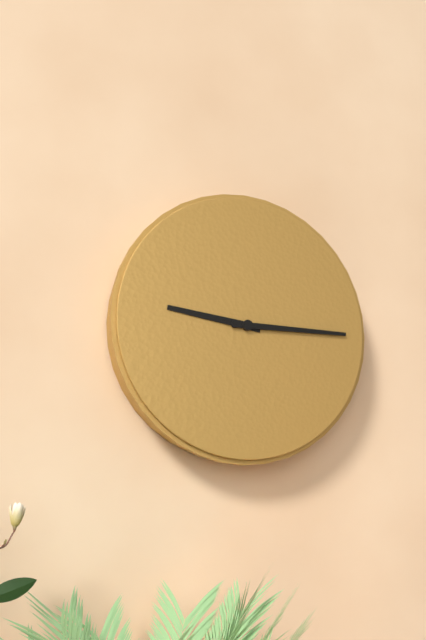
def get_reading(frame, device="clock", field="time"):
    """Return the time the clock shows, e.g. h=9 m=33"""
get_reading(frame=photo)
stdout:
h=9 m=15
